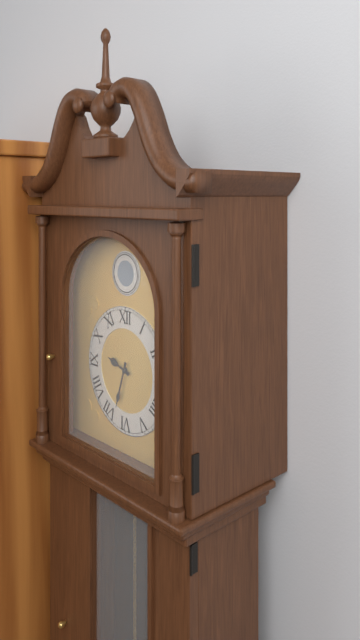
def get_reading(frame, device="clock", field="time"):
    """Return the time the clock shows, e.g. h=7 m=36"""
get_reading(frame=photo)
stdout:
h=9 m=33
